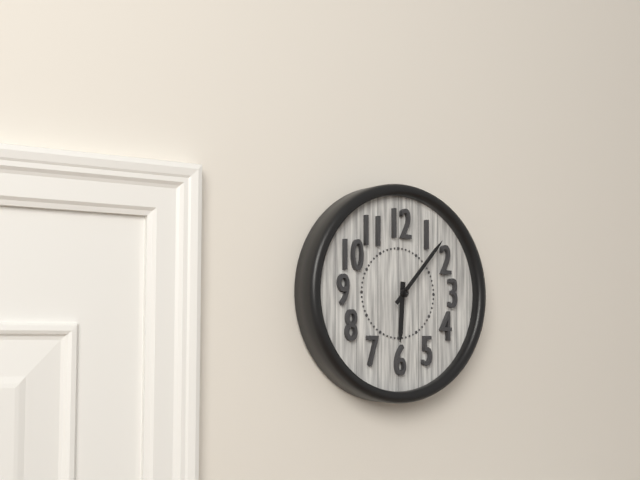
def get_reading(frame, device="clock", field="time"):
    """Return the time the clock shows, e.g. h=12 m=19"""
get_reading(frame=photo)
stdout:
h=6 m=7
